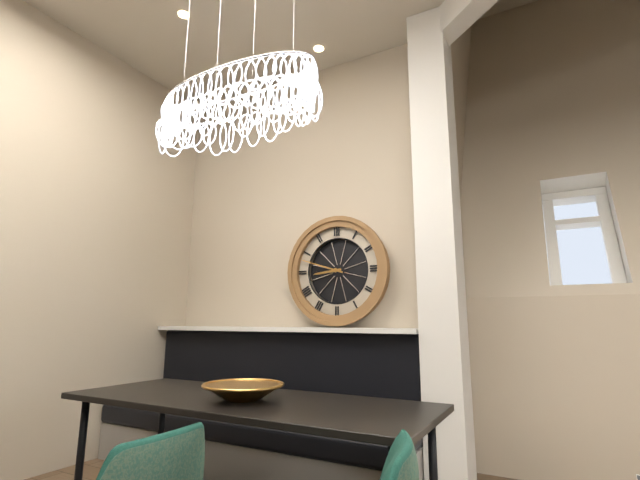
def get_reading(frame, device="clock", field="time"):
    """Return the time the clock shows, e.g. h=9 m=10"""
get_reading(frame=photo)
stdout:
h=8 m=48
